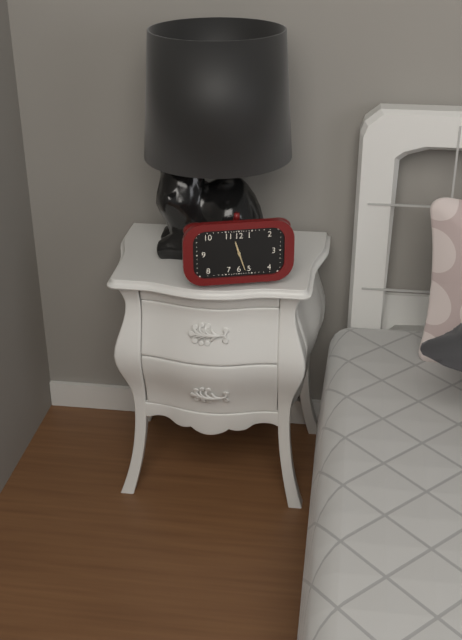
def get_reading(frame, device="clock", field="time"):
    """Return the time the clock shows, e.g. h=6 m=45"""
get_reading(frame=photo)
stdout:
h=11 m=27
